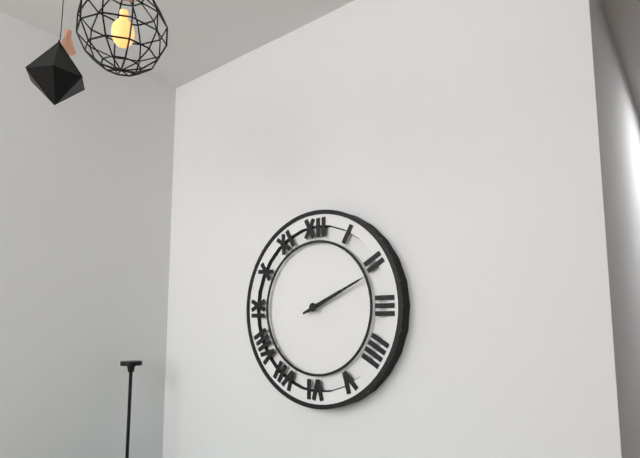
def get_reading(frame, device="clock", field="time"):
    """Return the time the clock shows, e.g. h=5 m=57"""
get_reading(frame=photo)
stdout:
h=2 m=11
